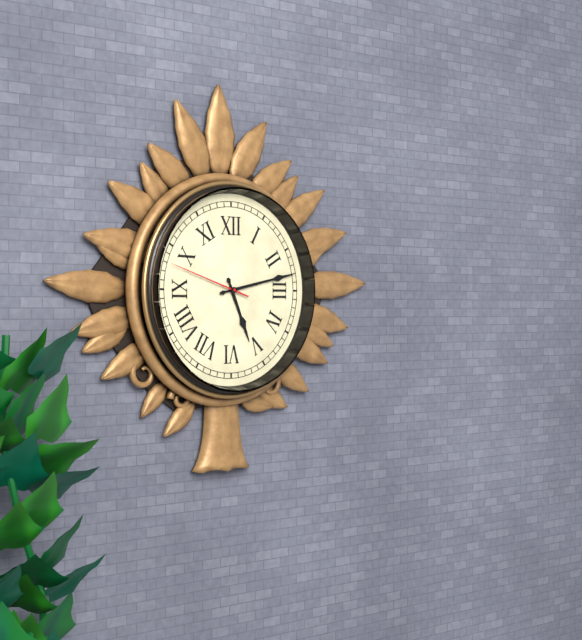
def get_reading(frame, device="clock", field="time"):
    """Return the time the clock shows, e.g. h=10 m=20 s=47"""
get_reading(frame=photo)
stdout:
h=5 m=13 s=48
